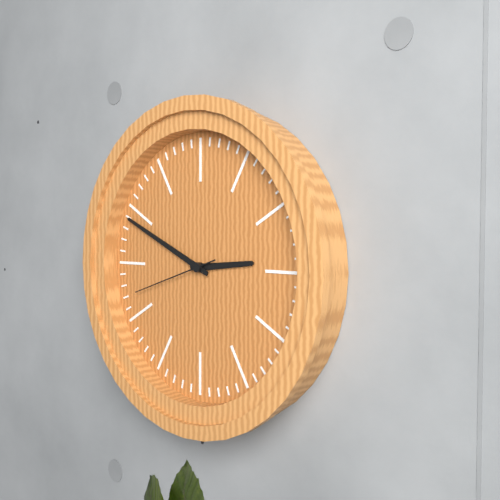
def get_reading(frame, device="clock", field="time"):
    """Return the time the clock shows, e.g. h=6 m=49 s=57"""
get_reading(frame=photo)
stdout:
h=2 m=49 s=42
